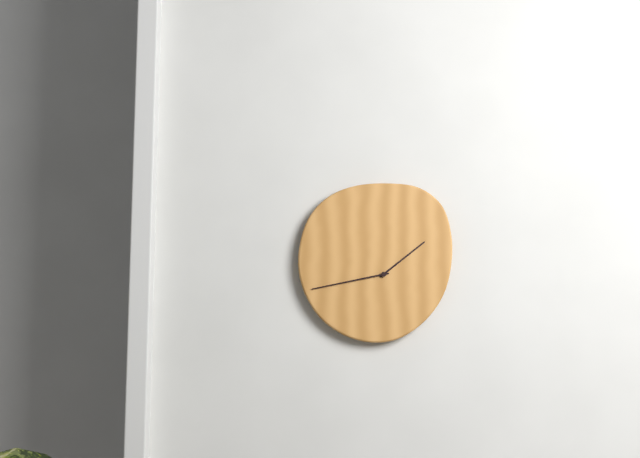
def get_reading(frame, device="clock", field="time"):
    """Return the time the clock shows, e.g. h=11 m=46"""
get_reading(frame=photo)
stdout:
h=1 m=43
